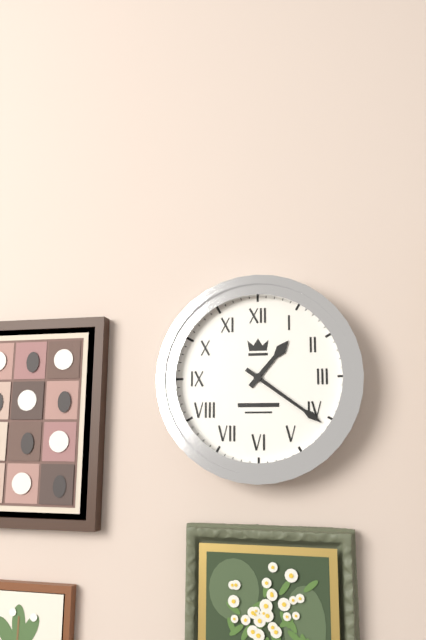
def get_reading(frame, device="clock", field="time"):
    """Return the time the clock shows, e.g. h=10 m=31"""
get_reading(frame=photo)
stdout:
h=1 m=21
